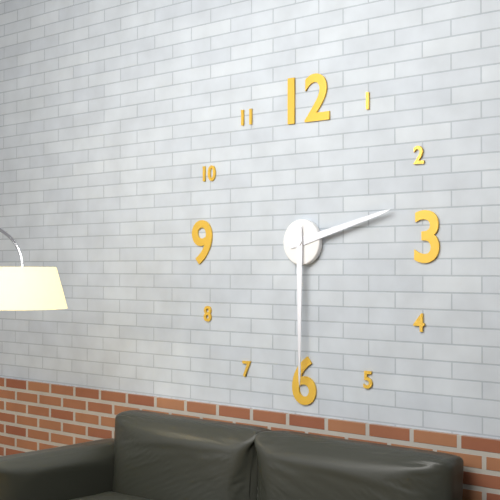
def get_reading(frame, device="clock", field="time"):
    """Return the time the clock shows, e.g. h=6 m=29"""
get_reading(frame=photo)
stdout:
h=2 m=30
